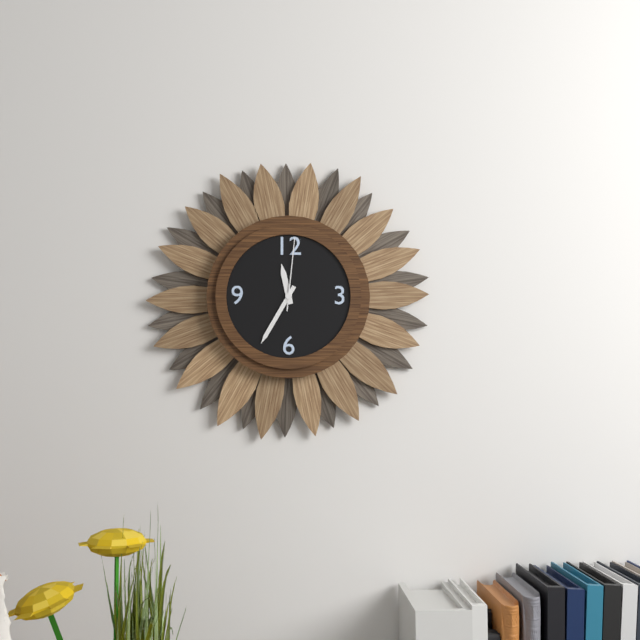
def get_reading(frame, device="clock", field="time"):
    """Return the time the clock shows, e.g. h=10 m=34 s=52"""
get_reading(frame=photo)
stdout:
h=11 m=35 s=1
